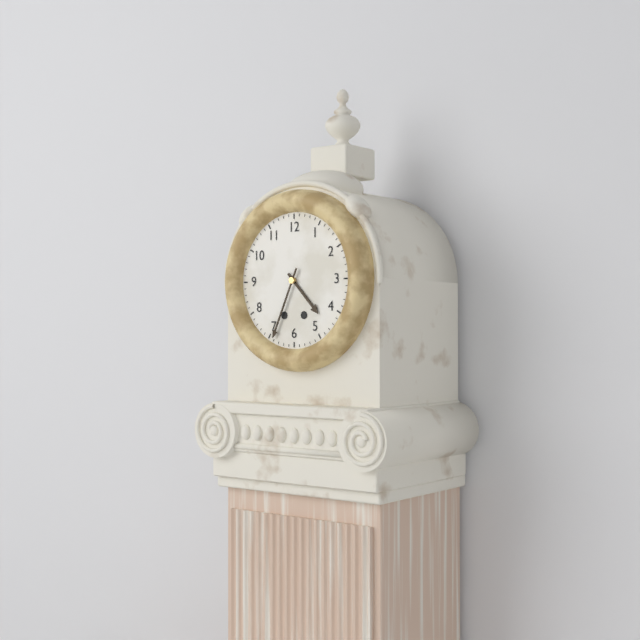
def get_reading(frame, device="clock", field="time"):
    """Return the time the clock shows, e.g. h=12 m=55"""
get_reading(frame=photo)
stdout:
h=4 m=34
